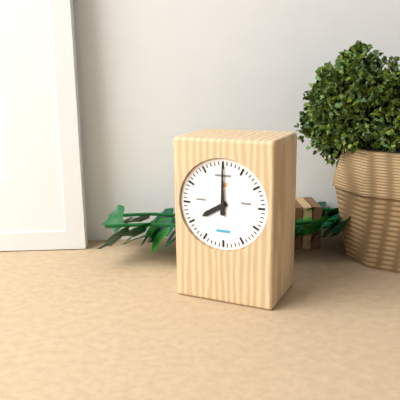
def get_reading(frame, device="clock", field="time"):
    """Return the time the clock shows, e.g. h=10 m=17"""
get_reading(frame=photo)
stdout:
h=8 m=0
